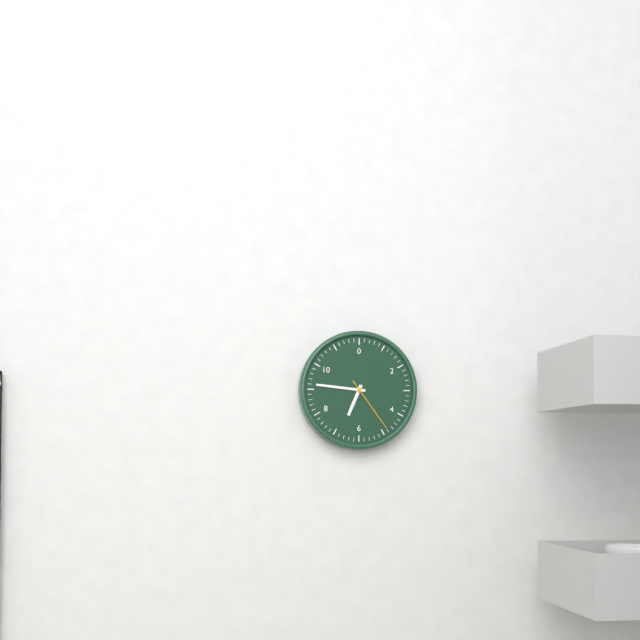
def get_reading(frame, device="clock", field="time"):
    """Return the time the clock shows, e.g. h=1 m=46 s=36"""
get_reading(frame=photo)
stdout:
h=6 m=46 s=24
